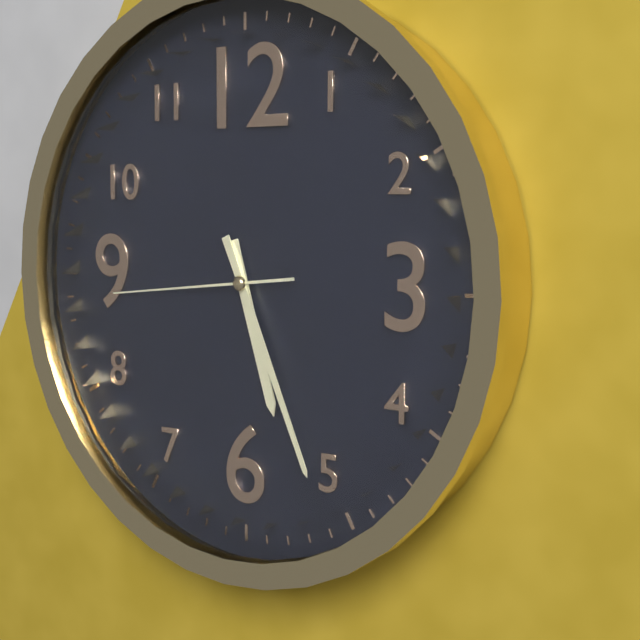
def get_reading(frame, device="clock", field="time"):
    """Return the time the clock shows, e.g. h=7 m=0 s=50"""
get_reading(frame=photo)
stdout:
h=5 m=26 s=44
